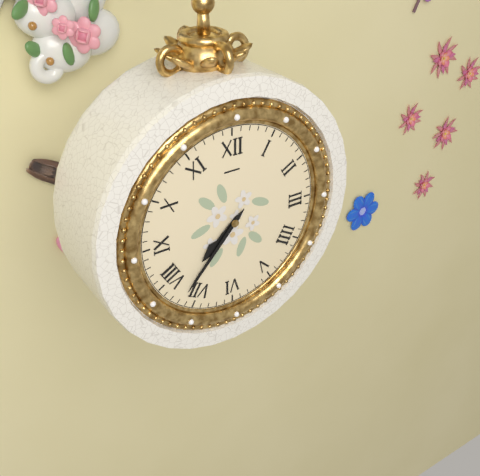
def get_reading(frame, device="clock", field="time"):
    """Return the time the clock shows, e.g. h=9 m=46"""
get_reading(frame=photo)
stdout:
h=7 m=37
